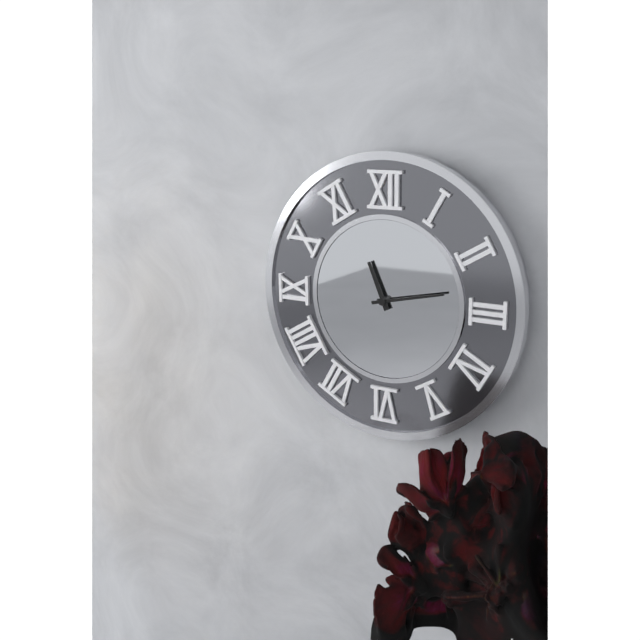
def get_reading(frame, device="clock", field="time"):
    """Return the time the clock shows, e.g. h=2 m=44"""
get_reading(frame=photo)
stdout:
h=11 m=13
